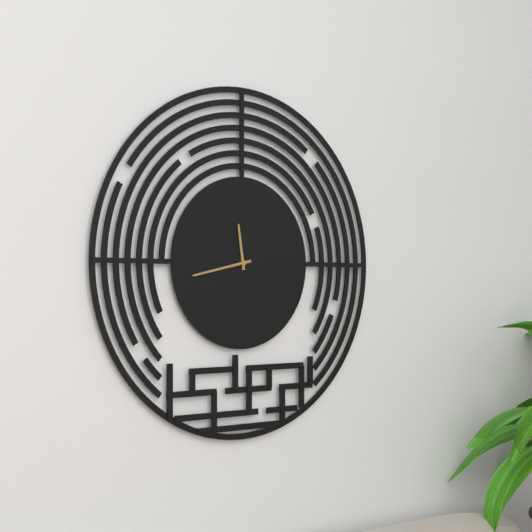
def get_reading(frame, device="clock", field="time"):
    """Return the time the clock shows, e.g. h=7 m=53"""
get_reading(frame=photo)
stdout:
h=11 m=43
